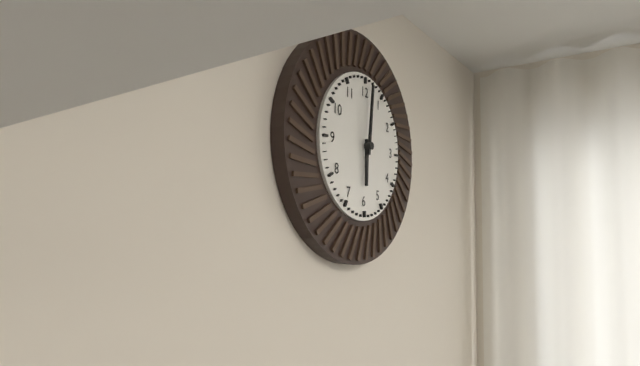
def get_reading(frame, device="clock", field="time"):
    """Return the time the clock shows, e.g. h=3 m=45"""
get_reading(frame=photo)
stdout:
h=6 m=1
